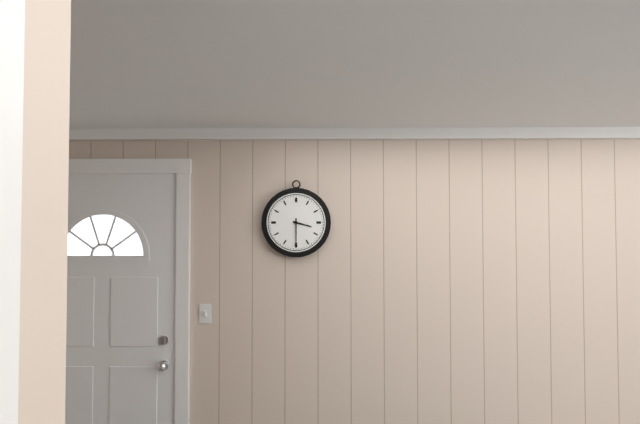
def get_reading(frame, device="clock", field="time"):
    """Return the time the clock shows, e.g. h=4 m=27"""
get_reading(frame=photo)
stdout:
h=3 m=30
